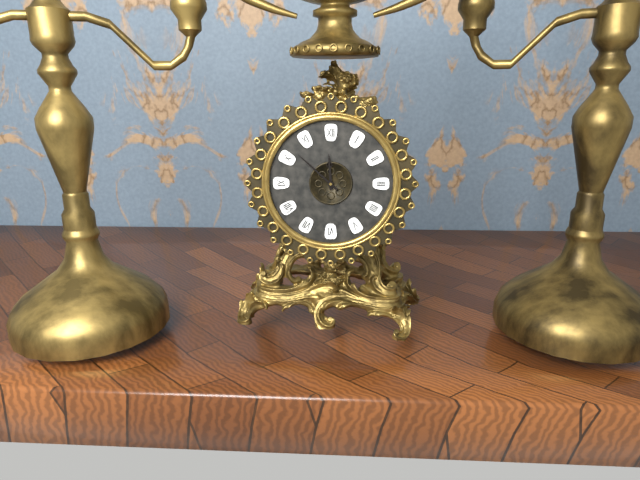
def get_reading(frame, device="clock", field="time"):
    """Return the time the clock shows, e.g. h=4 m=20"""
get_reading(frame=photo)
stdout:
h=11 m=52
